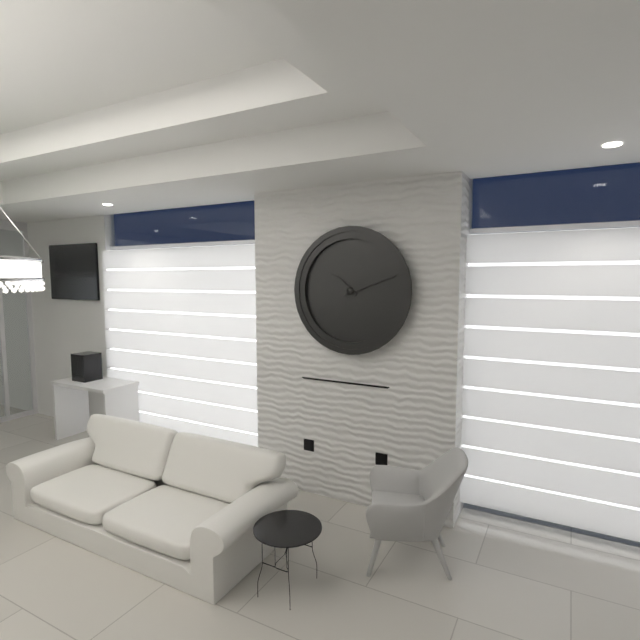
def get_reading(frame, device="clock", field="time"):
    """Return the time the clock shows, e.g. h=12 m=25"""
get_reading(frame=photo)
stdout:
h=10 m=12
